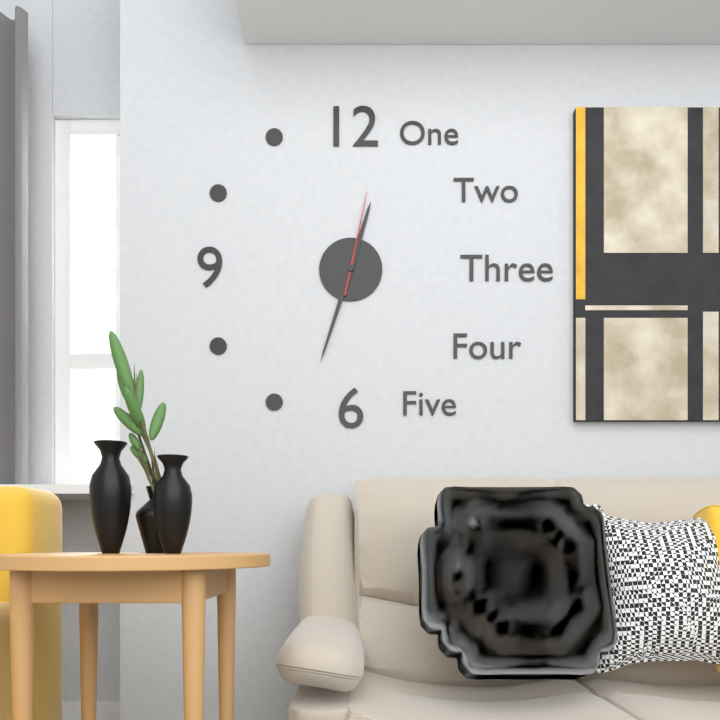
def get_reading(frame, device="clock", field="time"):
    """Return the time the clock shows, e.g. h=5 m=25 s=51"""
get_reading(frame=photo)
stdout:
h=12 m=33 s=2
